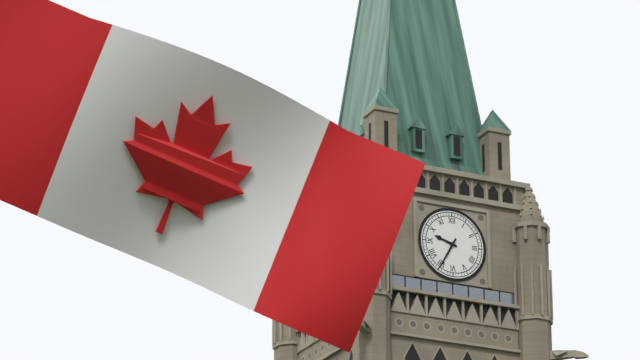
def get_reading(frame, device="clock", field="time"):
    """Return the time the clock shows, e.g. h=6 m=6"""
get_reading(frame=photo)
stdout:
h=9 m=35
